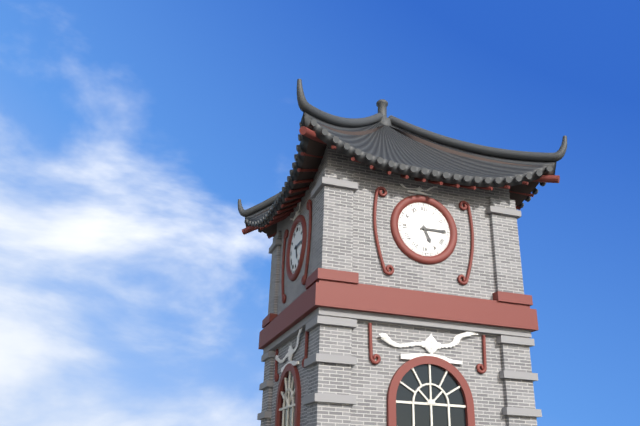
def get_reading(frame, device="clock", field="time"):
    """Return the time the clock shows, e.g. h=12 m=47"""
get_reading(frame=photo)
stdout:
h=5 m=15
